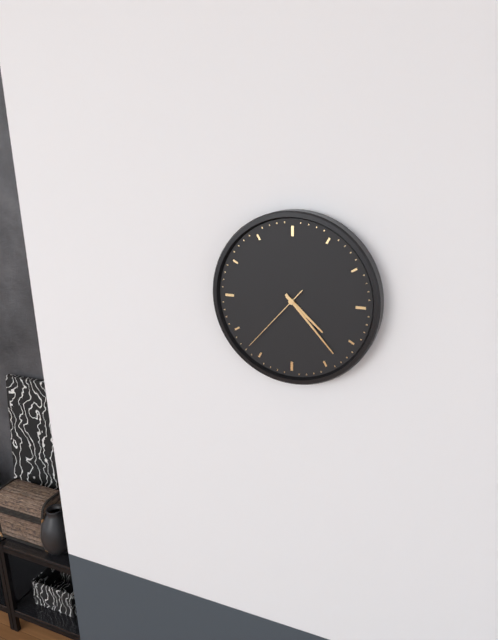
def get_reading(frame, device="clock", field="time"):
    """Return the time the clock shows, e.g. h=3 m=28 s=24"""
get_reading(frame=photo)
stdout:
h=4 m=23 s=37
